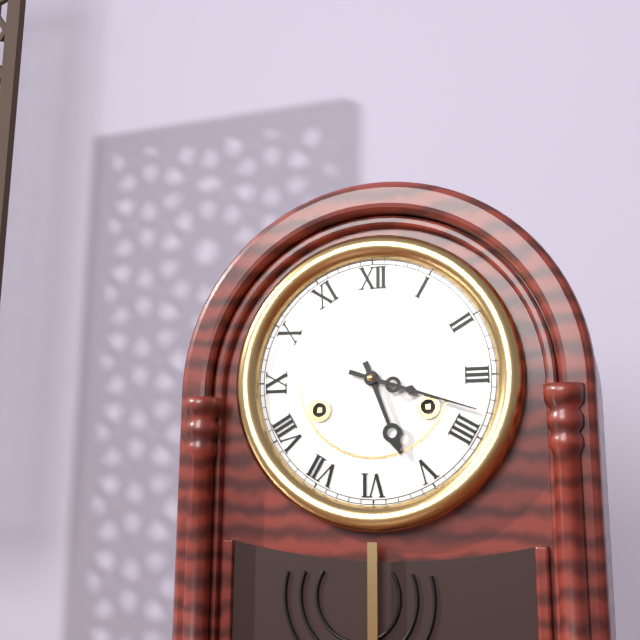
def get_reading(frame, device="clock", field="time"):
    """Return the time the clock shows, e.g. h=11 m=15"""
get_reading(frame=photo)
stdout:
h=5 m=18
